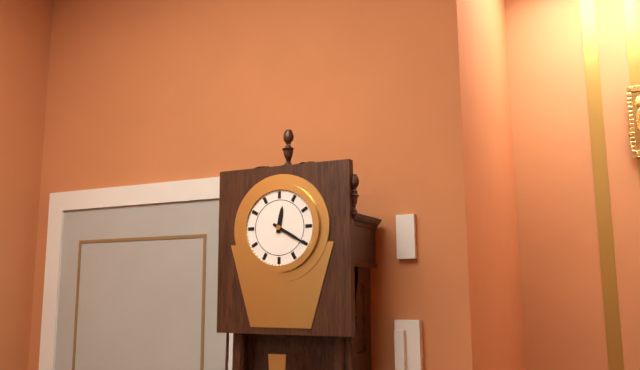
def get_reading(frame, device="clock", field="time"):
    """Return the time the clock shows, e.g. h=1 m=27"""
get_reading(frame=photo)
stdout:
h=12 m=20
